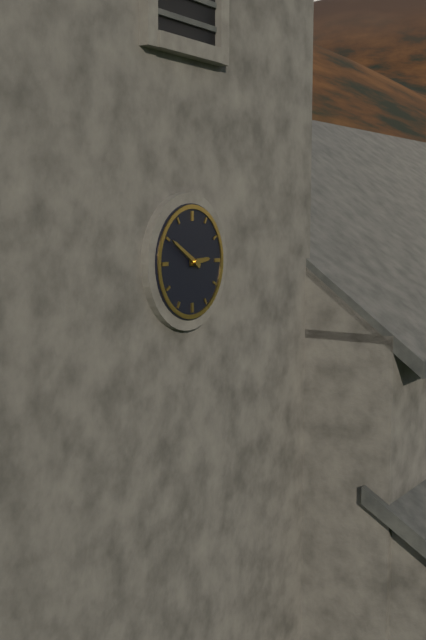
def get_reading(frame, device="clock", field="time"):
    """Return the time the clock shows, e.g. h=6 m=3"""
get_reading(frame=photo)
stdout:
h=2 m=50
